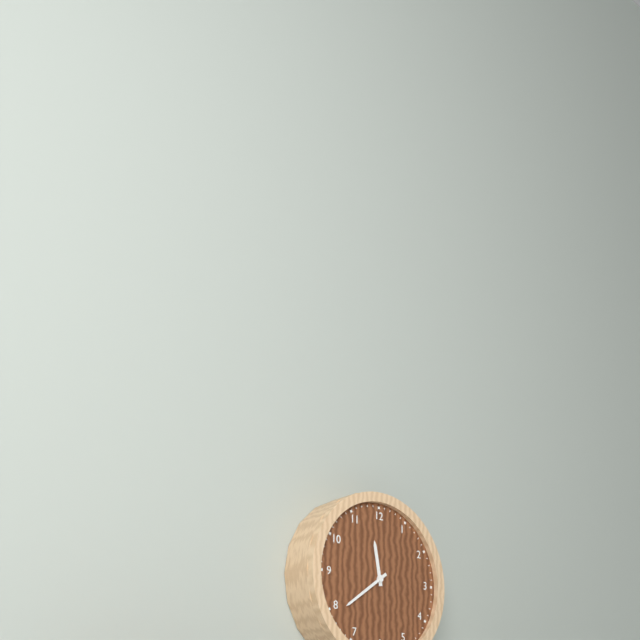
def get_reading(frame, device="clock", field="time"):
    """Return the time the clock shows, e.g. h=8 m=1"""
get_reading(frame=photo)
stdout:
h=11 m=39
